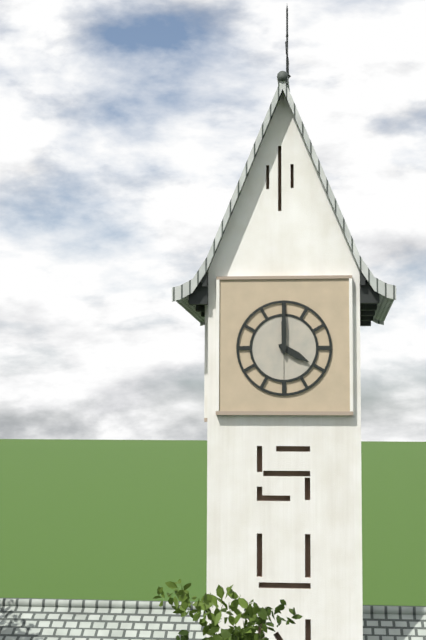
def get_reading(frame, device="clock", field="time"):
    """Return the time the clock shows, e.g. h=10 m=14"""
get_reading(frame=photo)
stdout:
h=4 m=0
